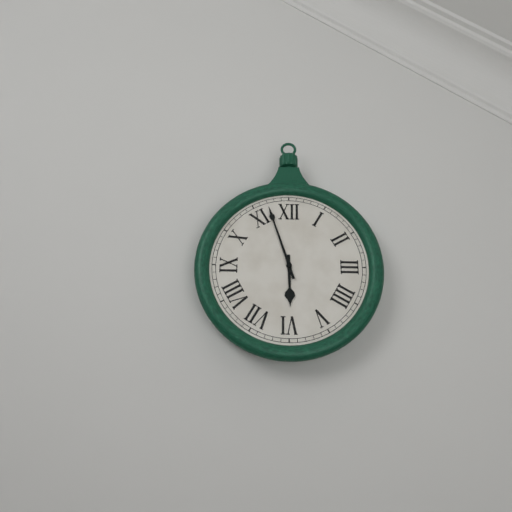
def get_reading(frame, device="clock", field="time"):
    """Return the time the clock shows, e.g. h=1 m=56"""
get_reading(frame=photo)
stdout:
h=5 m=57
